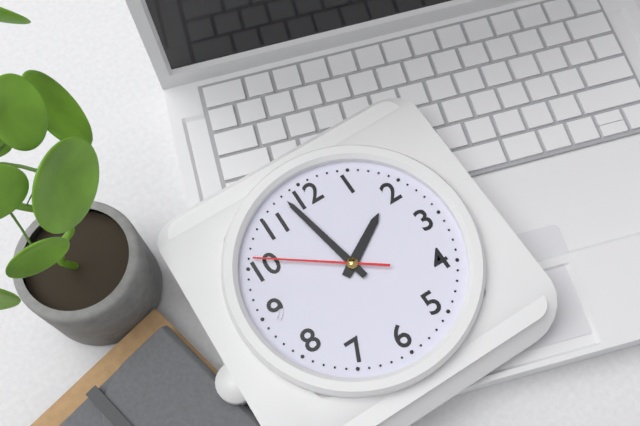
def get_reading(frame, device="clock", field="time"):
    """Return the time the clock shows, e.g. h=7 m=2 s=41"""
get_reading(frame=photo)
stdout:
h=1 m=58 s=51
